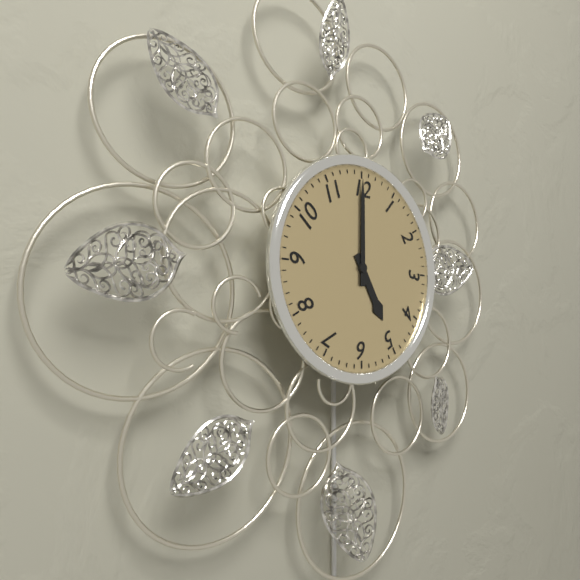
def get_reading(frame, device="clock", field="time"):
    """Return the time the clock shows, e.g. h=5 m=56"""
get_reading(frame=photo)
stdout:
h=5 m=0
